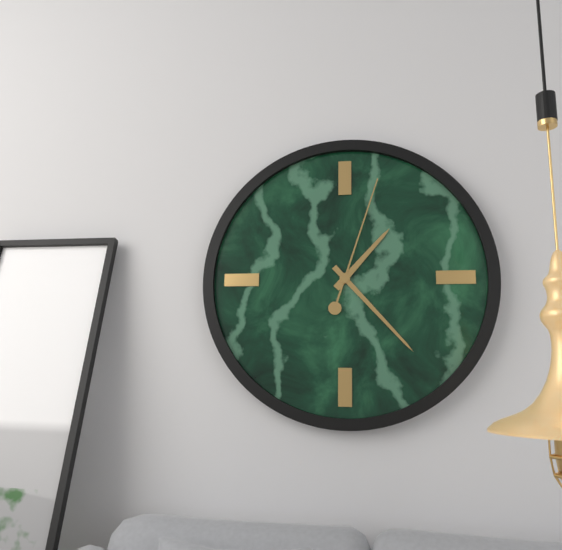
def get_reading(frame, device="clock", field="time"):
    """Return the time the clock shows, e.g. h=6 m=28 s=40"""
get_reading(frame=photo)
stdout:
h=1 m=23 s=3
